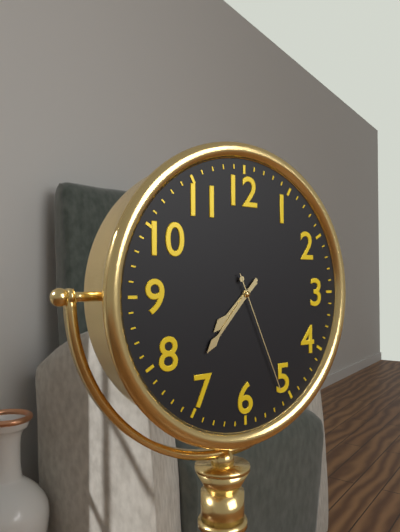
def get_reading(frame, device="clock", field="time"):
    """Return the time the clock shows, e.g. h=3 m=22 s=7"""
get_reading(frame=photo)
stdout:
h=7 m=37 s=26
